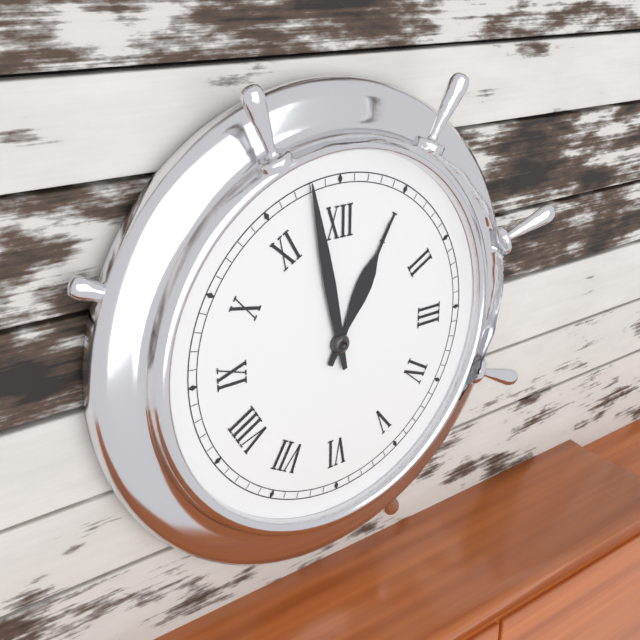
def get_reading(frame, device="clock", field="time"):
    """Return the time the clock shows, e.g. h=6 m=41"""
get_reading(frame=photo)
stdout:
h=12 m=58
